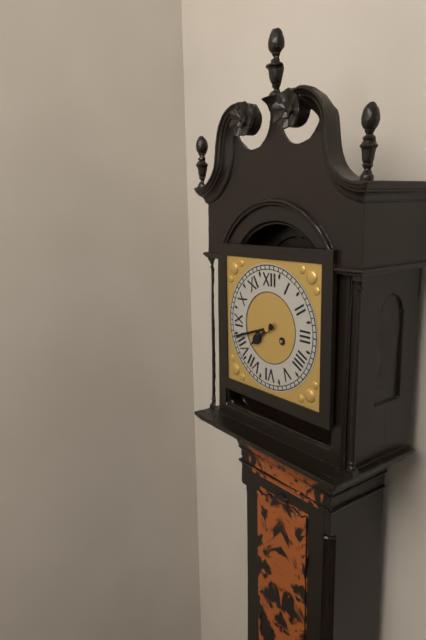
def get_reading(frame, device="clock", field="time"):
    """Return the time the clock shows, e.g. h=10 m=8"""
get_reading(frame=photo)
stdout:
h=7 m=42
